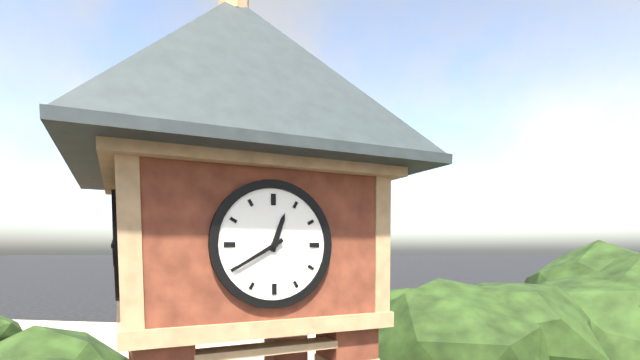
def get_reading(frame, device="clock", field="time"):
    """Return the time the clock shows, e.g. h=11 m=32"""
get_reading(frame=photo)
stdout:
h=12 m=40
